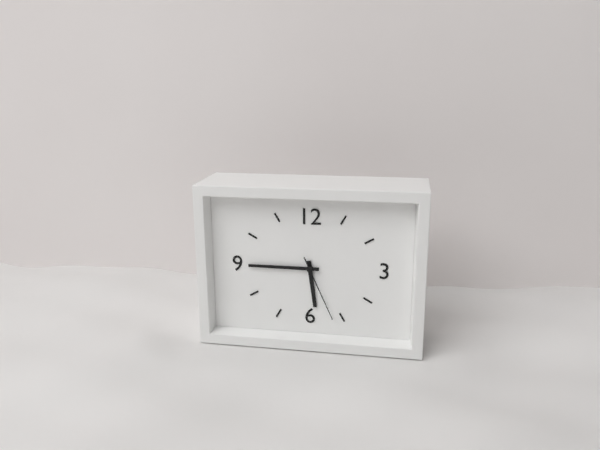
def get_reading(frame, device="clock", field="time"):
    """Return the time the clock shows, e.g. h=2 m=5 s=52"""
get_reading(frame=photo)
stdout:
h=5 m=45 s=26
